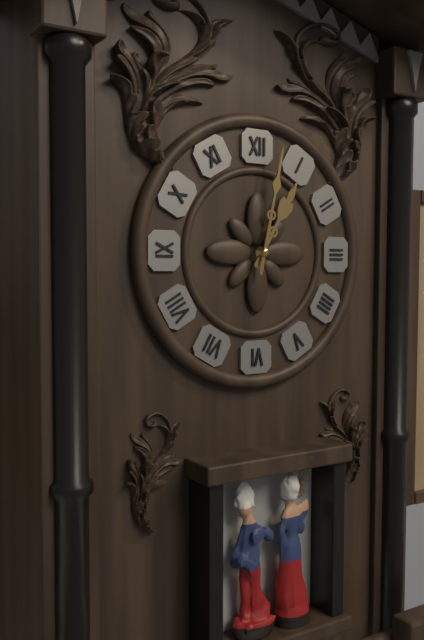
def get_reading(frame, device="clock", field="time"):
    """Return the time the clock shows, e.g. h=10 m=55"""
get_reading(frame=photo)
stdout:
h=1 m=2
